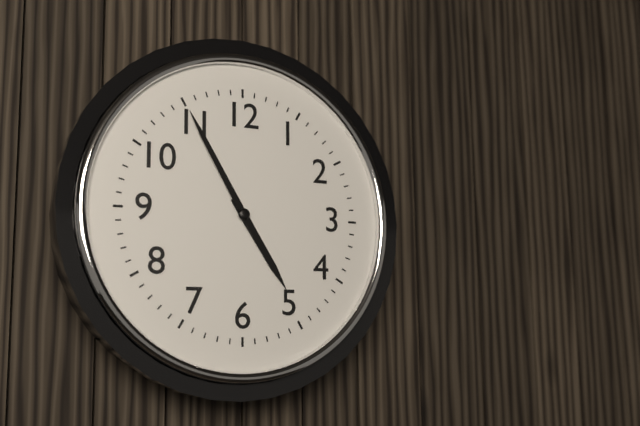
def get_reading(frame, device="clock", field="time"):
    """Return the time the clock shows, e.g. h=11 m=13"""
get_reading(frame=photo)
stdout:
h=4 m=55
